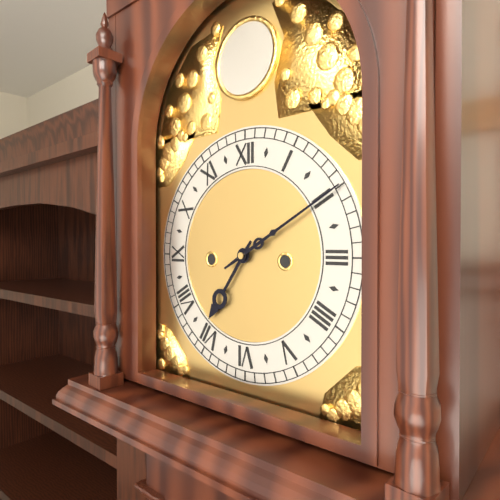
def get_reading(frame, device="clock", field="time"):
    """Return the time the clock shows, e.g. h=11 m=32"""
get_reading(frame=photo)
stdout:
h=7 m=10
